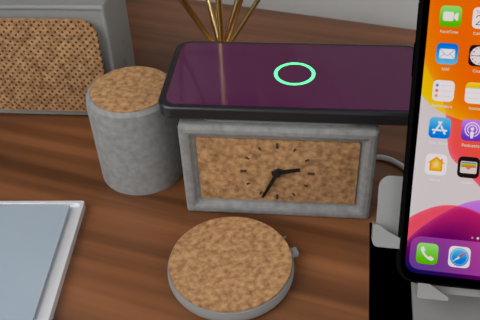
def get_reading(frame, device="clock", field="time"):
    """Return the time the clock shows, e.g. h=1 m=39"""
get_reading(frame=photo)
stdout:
h=2 m=34
